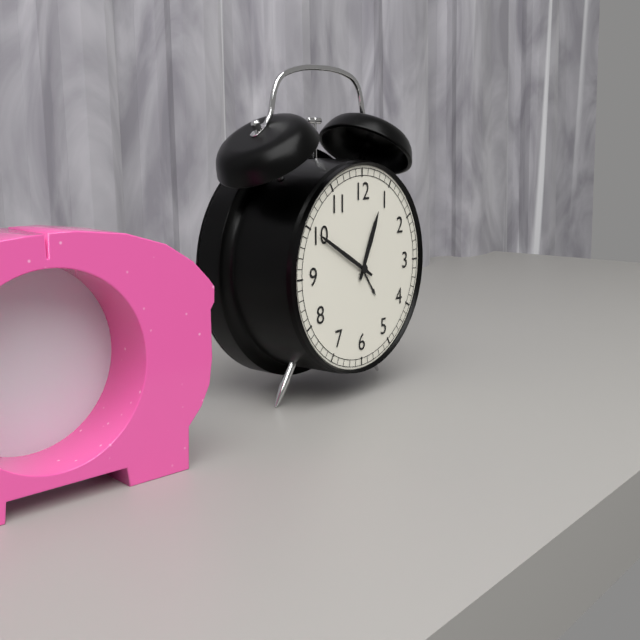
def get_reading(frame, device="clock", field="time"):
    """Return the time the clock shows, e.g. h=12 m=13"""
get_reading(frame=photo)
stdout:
h=12 m=50
